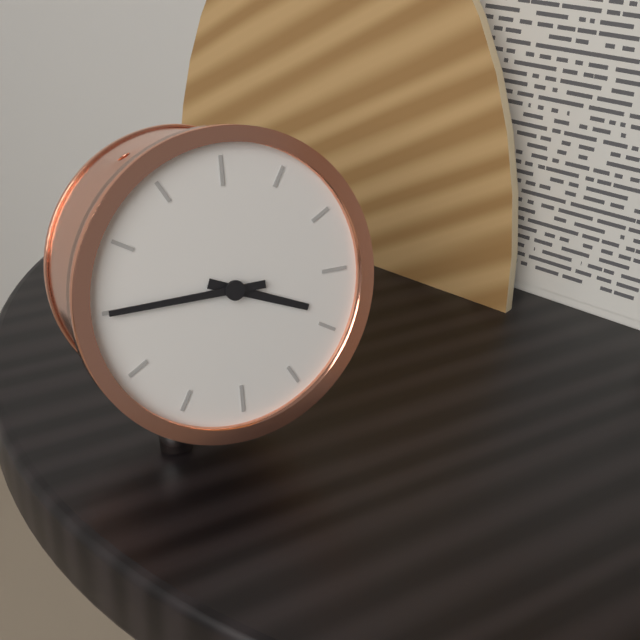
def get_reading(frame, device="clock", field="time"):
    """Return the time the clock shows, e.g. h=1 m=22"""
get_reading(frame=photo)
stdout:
h=3 m=45
